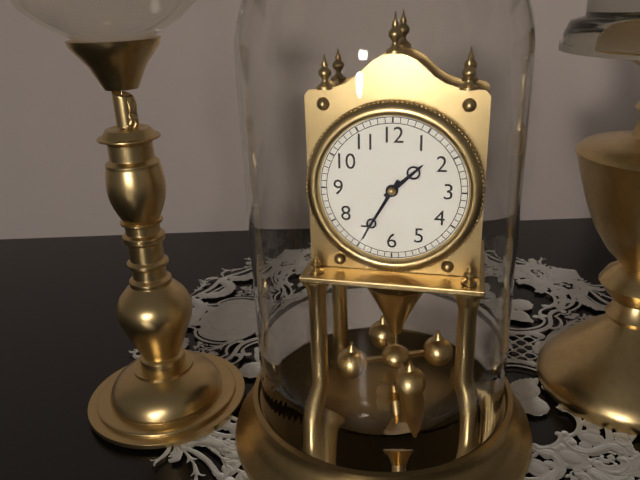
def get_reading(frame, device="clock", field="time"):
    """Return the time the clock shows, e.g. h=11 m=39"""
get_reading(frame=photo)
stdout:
h=1 m=35
